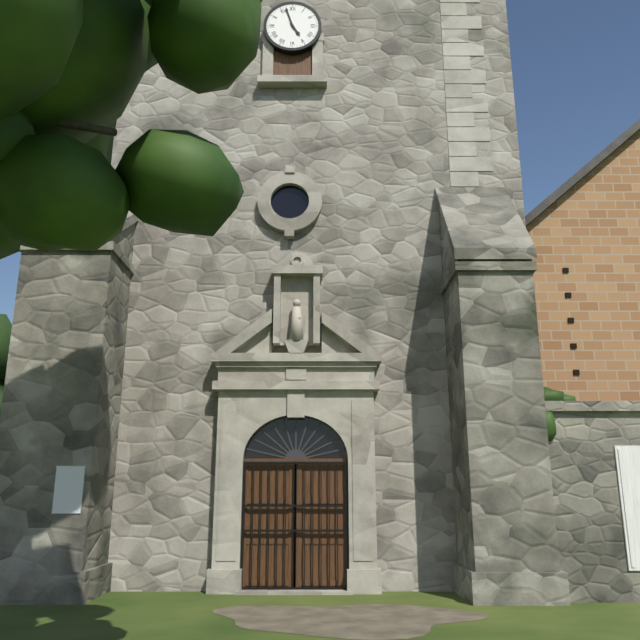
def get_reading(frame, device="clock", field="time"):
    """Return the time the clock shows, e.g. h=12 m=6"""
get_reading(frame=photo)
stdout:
h=4 m=57
